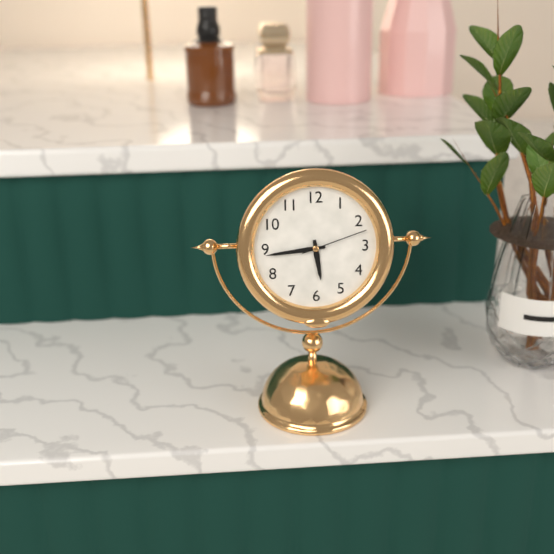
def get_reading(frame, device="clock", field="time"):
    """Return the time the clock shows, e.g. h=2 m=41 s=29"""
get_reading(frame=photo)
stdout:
h=5 m=44 s=12
